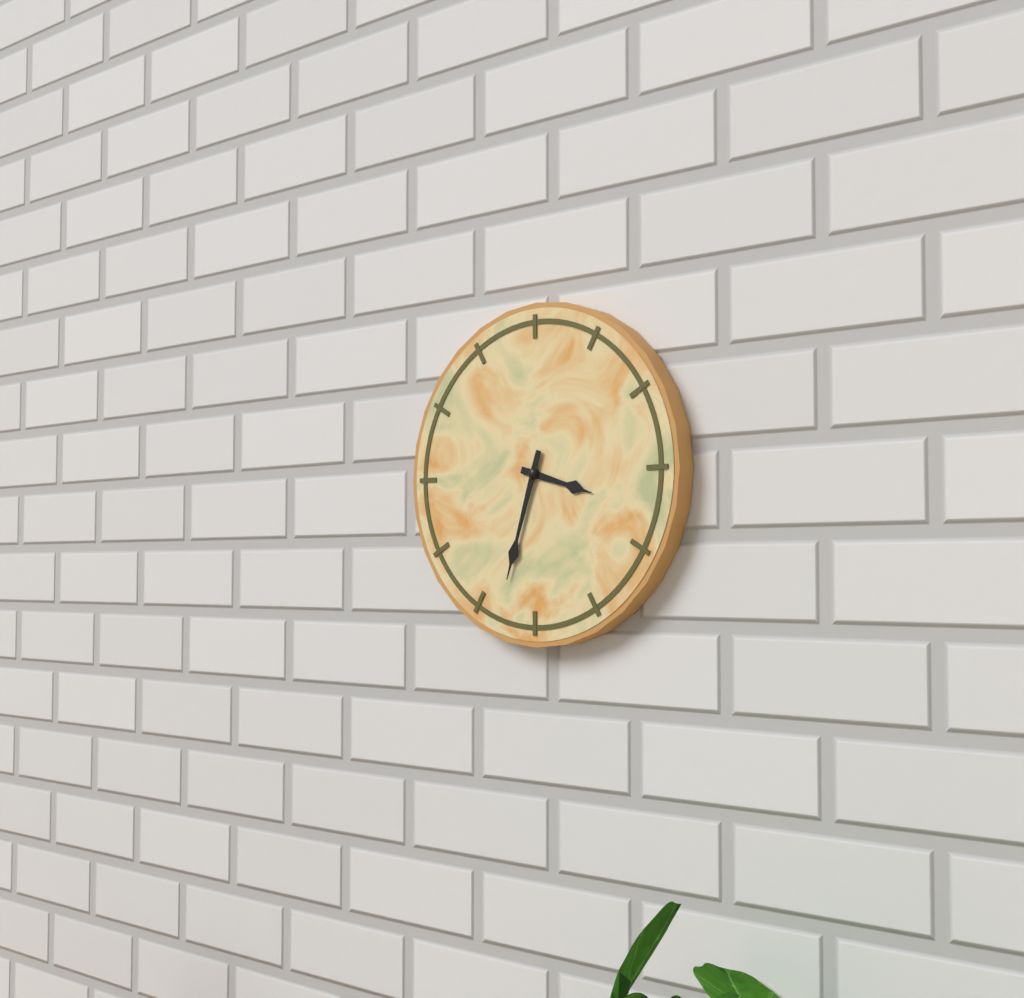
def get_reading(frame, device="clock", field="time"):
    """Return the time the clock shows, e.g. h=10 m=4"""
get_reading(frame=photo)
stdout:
h=3 m=33
